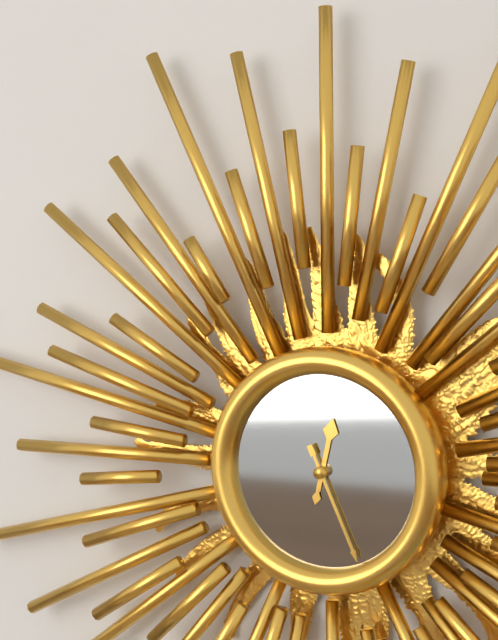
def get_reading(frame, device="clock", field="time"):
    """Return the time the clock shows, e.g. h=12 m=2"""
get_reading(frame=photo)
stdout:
h=12 m=26
